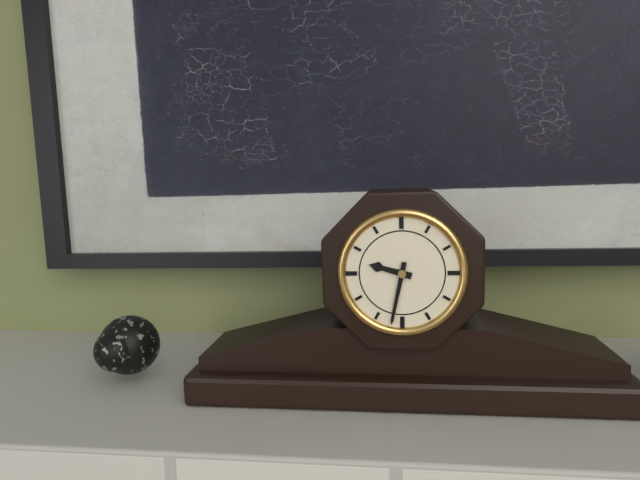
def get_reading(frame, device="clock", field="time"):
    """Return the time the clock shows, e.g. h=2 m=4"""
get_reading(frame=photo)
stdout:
h=9 m=32
